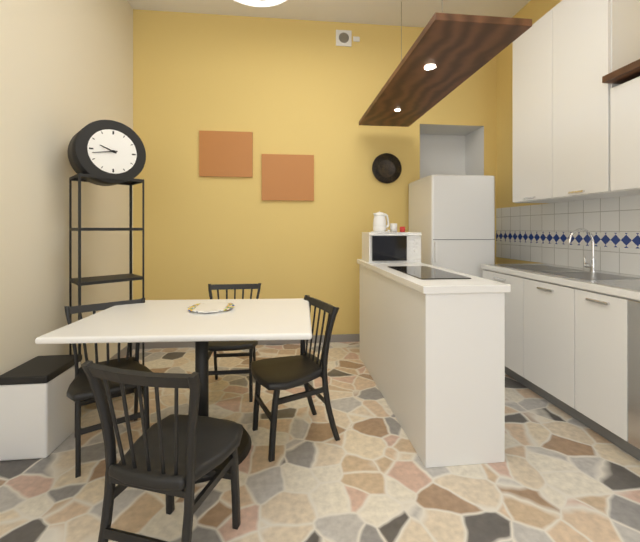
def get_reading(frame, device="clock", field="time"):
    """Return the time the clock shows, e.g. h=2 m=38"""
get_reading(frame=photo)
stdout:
h=9 m=43
